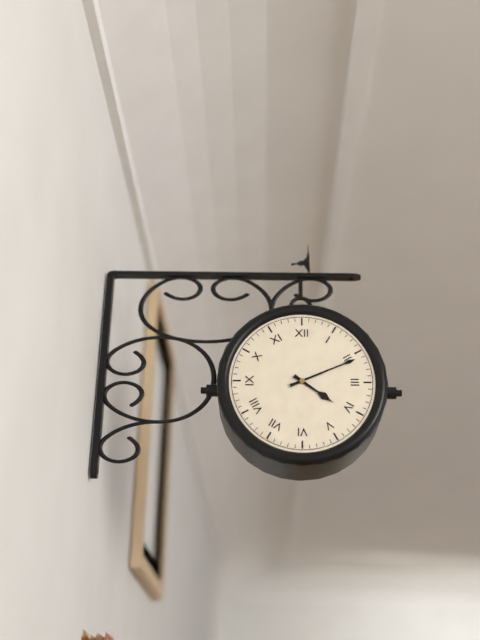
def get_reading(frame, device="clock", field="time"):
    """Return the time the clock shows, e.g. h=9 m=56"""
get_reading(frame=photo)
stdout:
h=4 m=11
